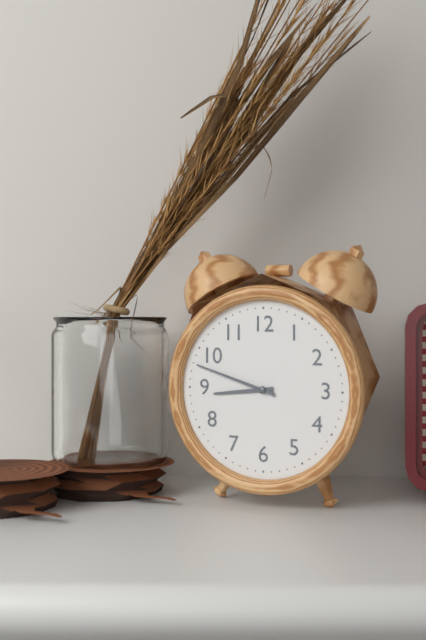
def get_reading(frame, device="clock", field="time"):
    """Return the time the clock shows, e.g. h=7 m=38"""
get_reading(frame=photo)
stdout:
h=8 m=48
